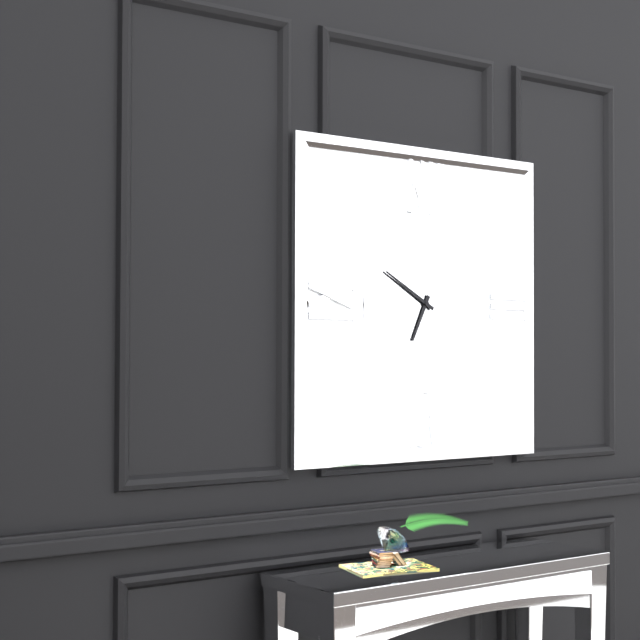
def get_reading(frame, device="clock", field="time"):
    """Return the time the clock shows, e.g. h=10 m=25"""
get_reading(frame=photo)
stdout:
h=6 m=50
